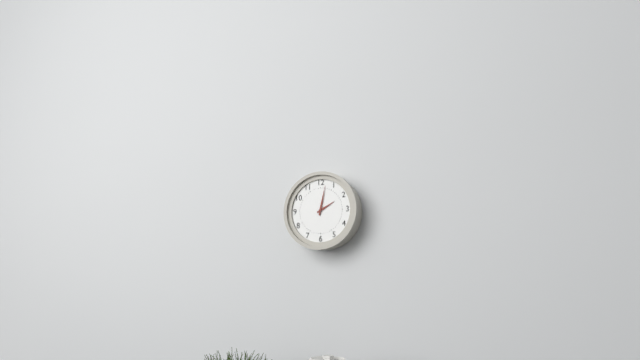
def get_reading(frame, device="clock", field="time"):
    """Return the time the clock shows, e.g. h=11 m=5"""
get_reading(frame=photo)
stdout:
h=2 m=2
